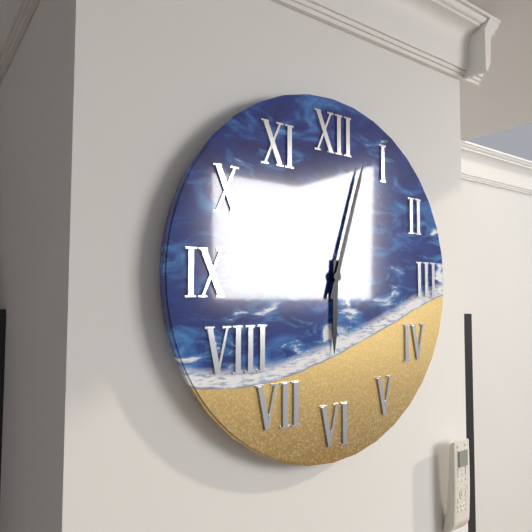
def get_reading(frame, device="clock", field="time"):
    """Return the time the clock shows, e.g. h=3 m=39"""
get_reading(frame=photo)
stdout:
h=6 m=3
